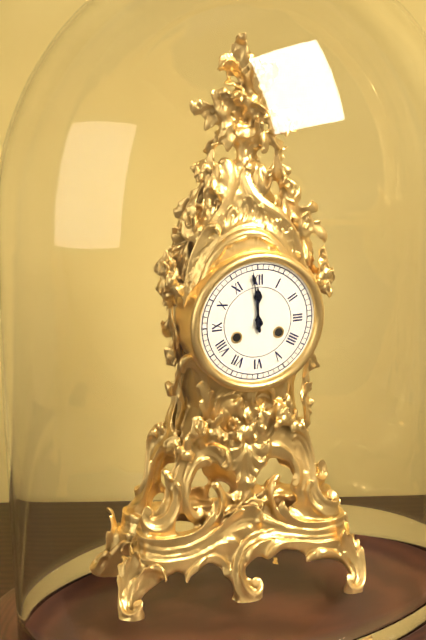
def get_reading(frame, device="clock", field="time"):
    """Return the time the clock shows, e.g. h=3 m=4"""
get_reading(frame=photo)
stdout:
h=11 m=59
